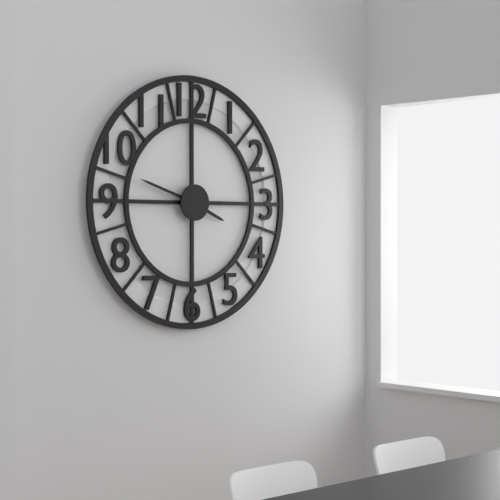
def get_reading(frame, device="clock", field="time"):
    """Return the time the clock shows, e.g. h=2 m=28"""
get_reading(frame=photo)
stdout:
h=3 m=48
